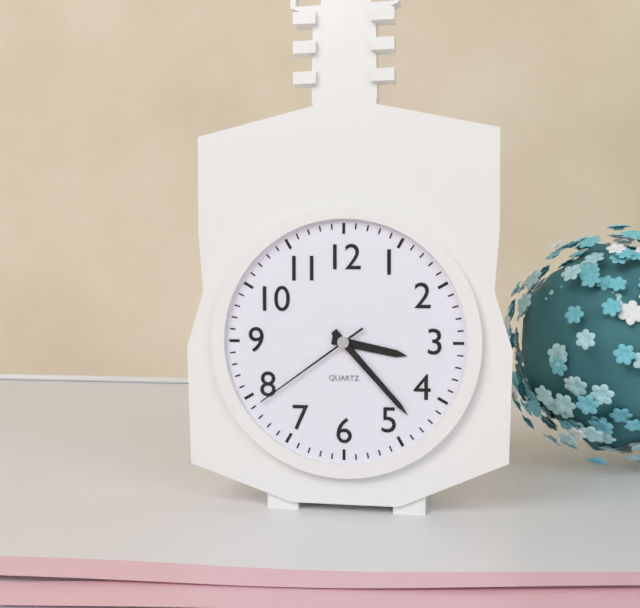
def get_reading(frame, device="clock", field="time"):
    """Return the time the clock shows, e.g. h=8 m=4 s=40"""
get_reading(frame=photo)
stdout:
h=3 m=23 s=39
